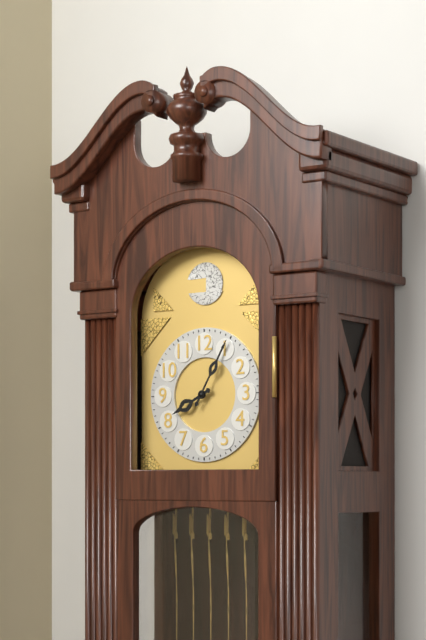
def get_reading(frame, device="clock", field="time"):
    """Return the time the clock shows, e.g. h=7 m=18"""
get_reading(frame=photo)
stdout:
h=8 m=5
